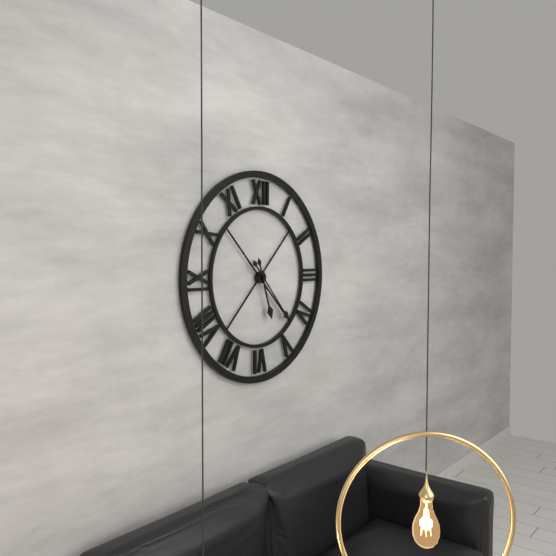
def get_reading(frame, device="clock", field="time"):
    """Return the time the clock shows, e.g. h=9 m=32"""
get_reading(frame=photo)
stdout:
h=5 m=23
